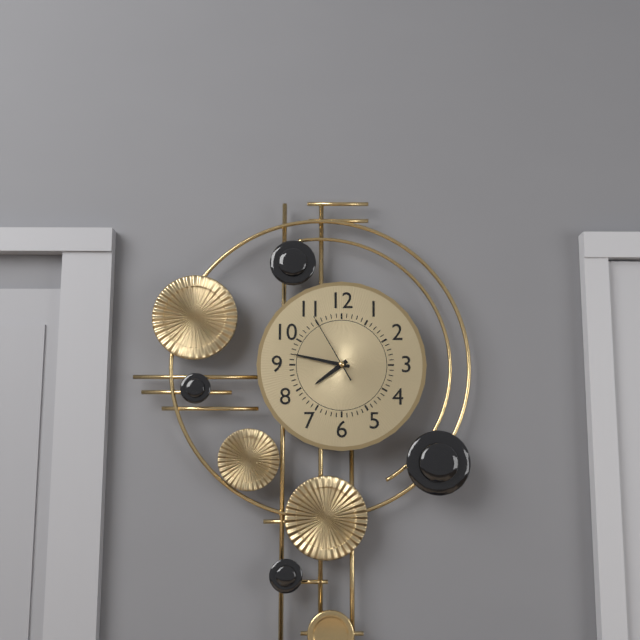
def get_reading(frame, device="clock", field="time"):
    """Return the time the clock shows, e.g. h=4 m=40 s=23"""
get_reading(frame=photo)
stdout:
h=7 m=47 s=55
